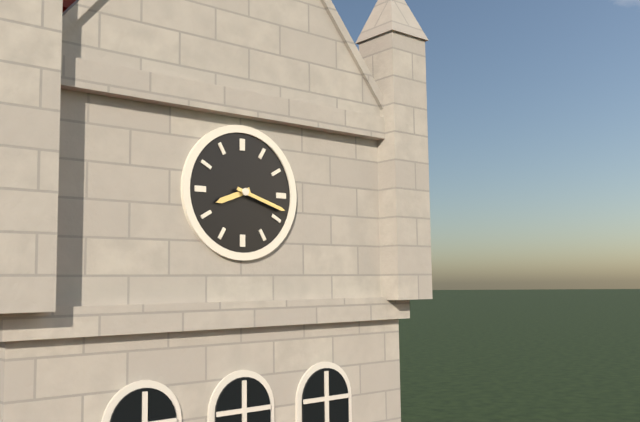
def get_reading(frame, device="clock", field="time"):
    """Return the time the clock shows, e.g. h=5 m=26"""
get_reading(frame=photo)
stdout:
h=8 m=18
